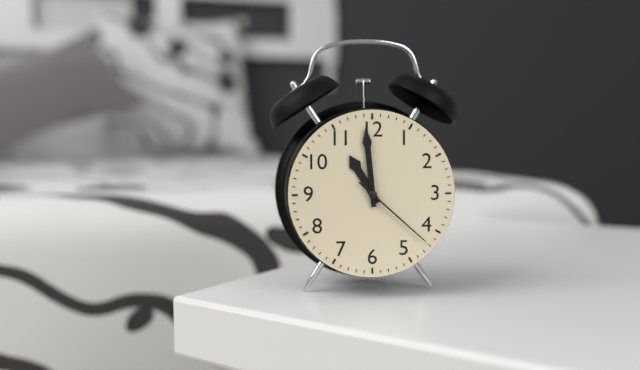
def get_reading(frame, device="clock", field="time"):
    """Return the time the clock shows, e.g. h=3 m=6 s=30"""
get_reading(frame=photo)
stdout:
h=10 m=59 s=22
